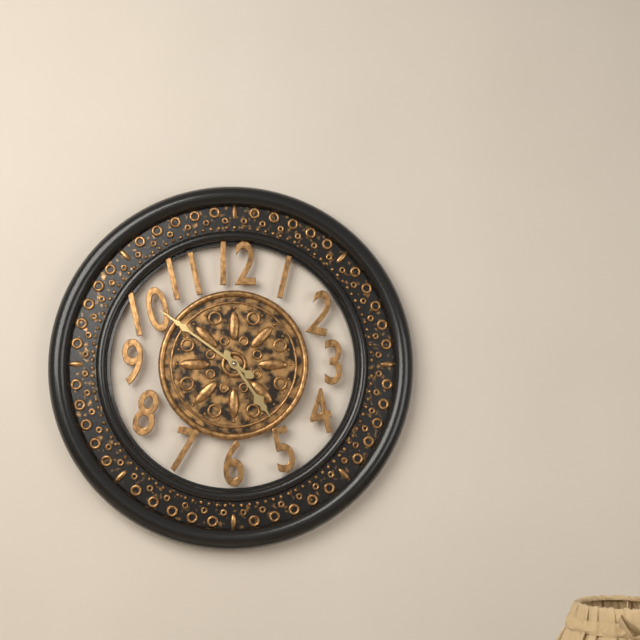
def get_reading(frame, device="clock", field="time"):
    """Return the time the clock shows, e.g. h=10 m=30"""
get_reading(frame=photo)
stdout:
h=4 m=51
